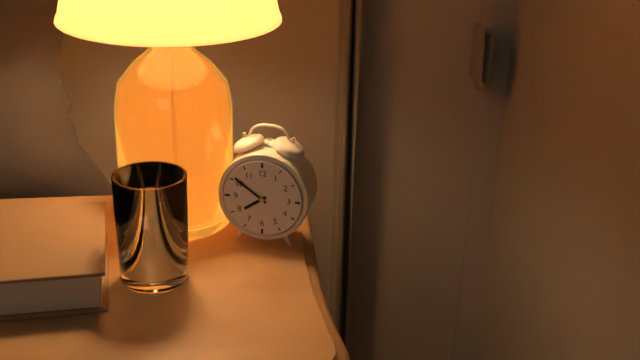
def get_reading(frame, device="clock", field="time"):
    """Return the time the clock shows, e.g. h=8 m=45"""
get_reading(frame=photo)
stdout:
h=7 m=51
